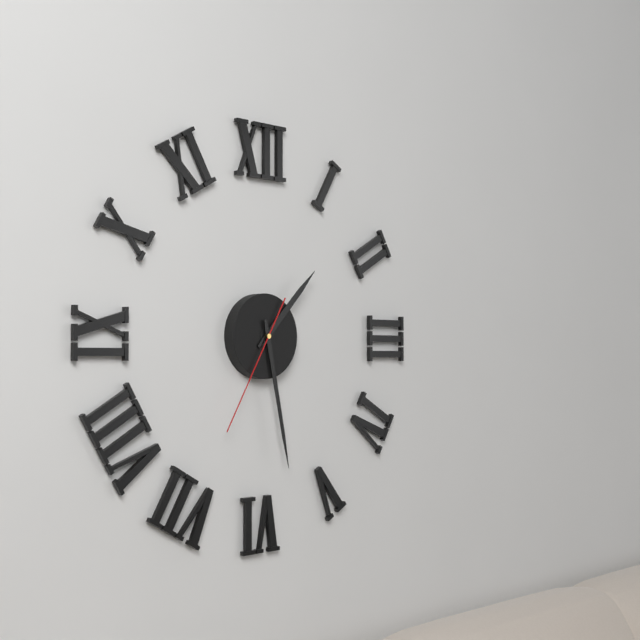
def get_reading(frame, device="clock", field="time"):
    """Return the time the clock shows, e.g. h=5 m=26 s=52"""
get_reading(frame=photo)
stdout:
h=1 m=28 s=35
